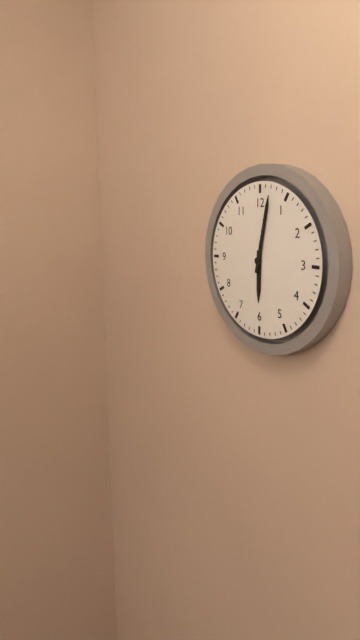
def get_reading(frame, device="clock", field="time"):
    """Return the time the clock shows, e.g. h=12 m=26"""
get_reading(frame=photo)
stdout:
h=6 m=2
